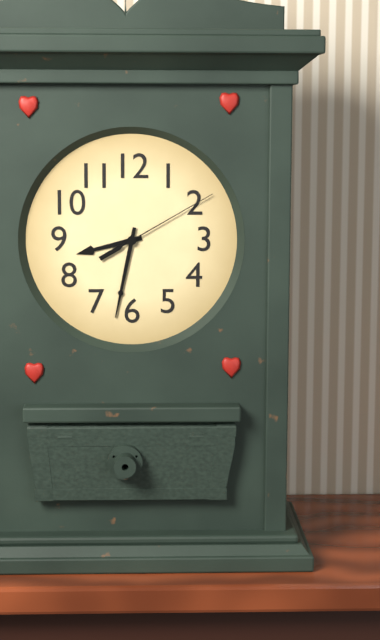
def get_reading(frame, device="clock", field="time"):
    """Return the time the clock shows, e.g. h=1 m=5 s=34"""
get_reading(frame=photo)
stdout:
h=8 m=32 s=10
